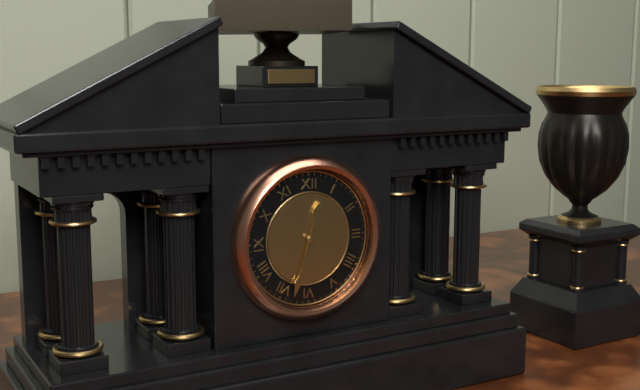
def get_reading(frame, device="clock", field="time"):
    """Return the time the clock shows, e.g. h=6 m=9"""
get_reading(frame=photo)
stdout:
h=12 m=33
